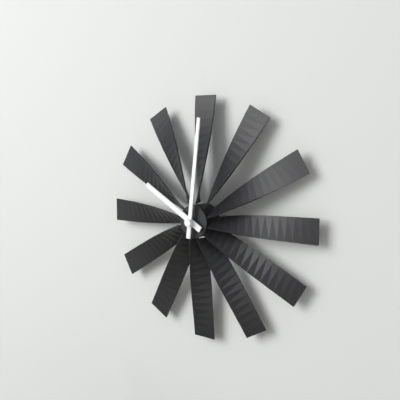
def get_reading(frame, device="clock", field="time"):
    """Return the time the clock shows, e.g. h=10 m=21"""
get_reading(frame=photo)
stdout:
h=10 m=1
